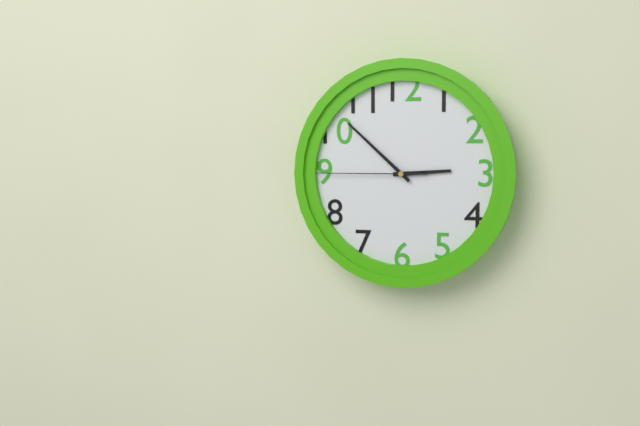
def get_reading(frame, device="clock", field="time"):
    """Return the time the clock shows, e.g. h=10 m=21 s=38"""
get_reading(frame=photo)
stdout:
h=2 m=52 s=45
